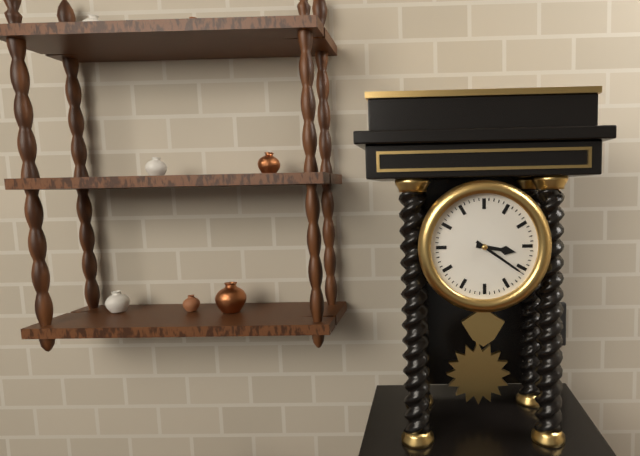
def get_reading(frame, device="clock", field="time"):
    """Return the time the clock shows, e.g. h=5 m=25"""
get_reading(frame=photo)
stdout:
h=3 m=21
